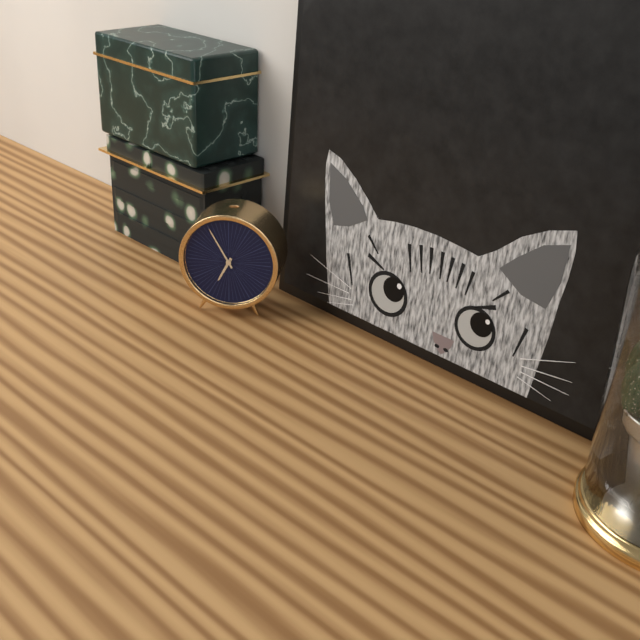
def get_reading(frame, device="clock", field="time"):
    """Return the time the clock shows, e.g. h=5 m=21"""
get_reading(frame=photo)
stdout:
h=6 m=55
